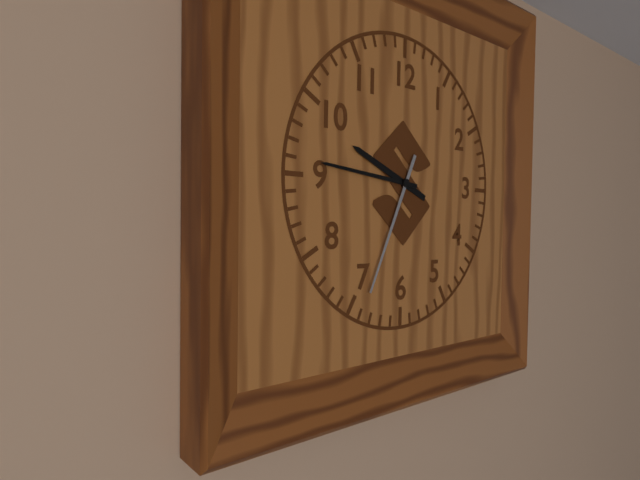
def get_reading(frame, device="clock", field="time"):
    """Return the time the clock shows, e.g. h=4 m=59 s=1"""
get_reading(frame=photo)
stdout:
h=9 m=46 s=34
